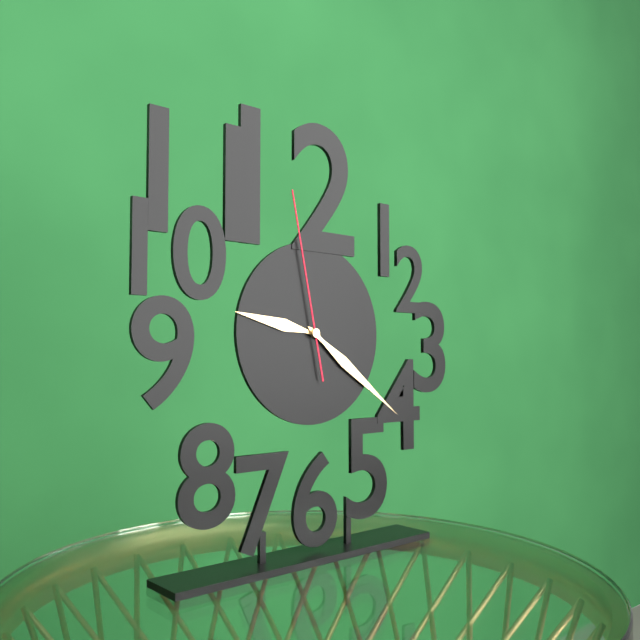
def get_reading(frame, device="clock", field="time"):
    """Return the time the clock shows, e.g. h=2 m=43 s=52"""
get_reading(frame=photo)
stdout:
h=9 m=21 s=58
